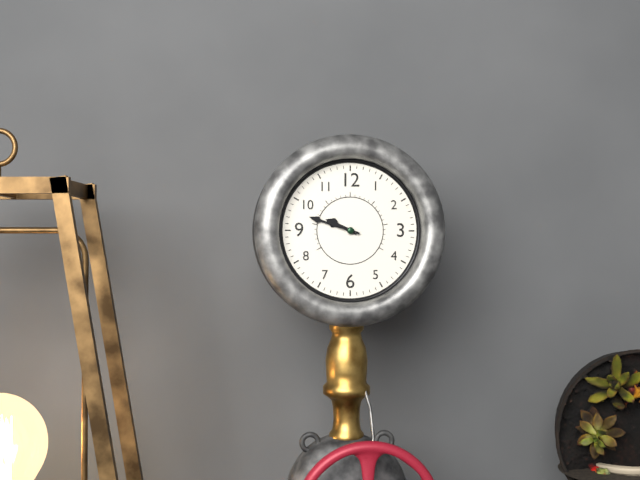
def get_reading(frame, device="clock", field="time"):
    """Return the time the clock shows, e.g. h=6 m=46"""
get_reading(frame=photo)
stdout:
h=9 m=48
